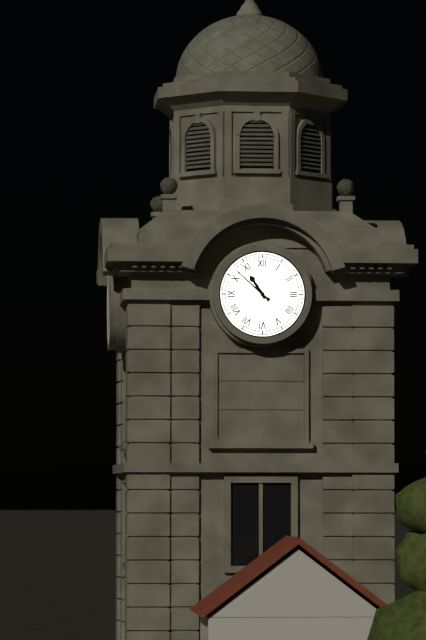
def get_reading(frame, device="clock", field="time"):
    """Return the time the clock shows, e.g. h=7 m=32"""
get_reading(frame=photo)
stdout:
h=10 m=52
